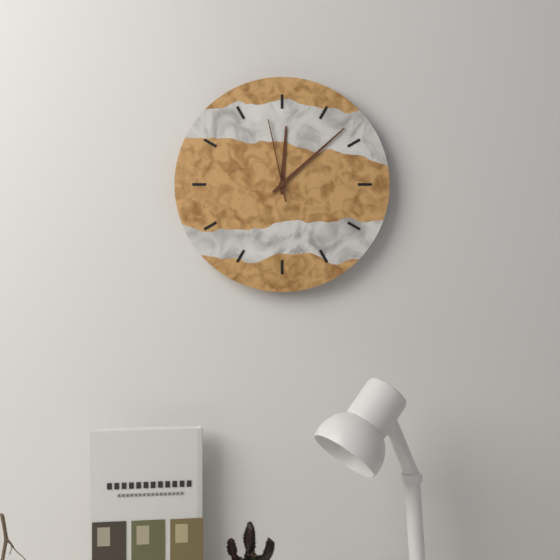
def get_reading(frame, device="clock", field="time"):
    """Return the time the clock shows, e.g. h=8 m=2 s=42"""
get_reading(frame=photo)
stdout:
h=12 m=8 s=58
